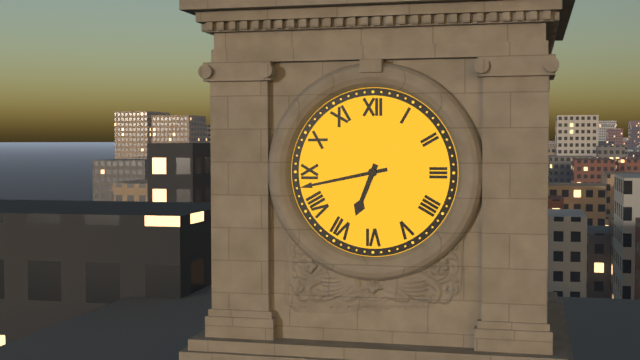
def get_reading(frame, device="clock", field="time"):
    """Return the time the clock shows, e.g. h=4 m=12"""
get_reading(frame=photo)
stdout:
h=6 m=43
